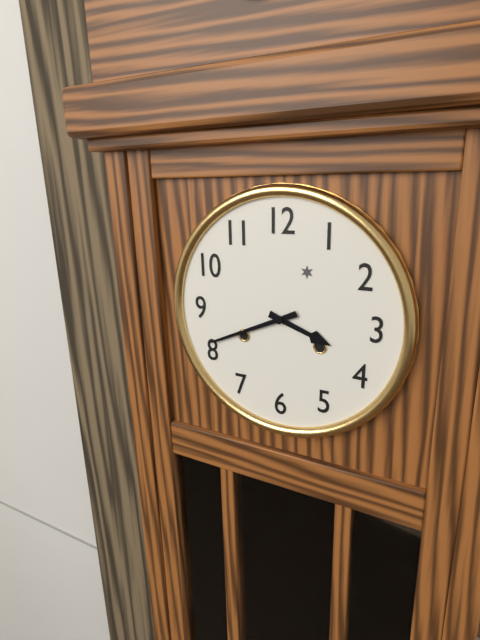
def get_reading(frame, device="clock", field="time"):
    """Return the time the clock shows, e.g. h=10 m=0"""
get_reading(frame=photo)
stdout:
h=3 m=41
